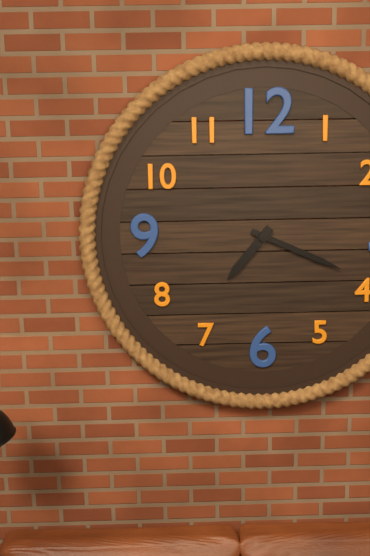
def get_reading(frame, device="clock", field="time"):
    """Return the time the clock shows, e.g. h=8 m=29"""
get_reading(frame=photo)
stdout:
h=7 m=19
